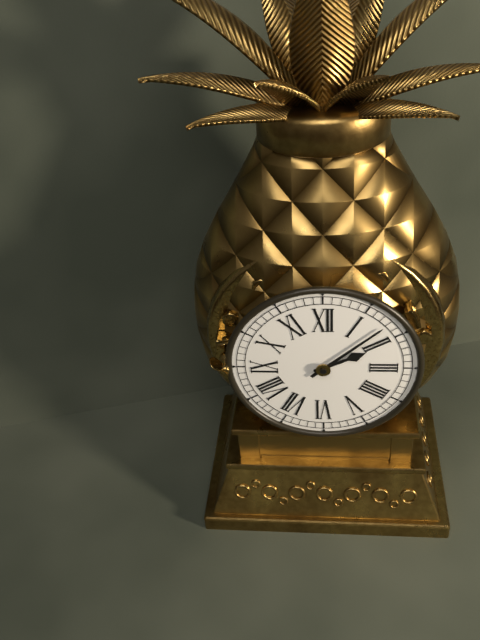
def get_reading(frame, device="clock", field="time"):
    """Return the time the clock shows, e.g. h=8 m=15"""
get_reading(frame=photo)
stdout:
h=2 m=8
